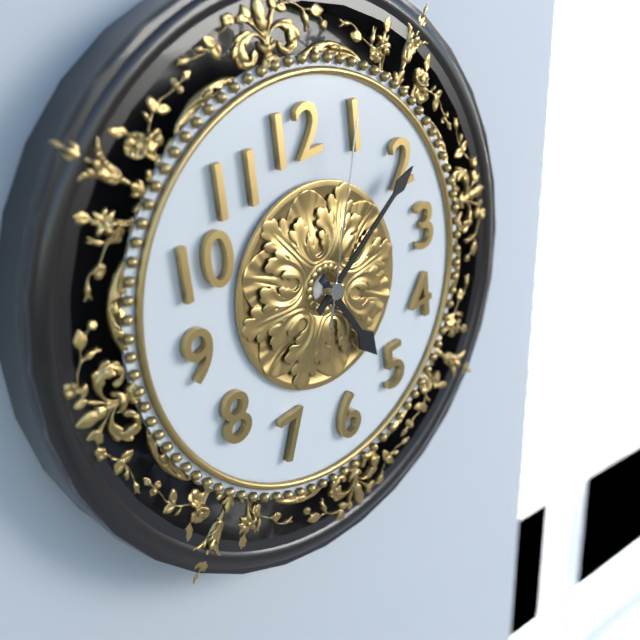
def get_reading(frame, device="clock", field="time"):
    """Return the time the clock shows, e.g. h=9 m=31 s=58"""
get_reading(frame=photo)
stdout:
h=5 m=10 s=4
